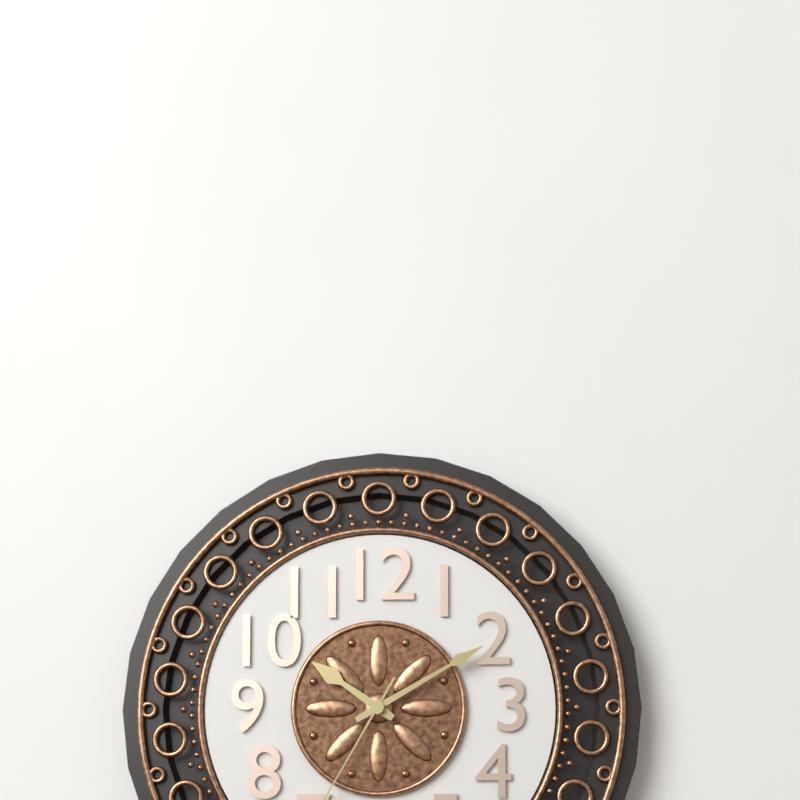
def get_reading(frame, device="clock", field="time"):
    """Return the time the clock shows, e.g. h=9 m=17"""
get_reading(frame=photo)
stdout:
h=10 m=10
